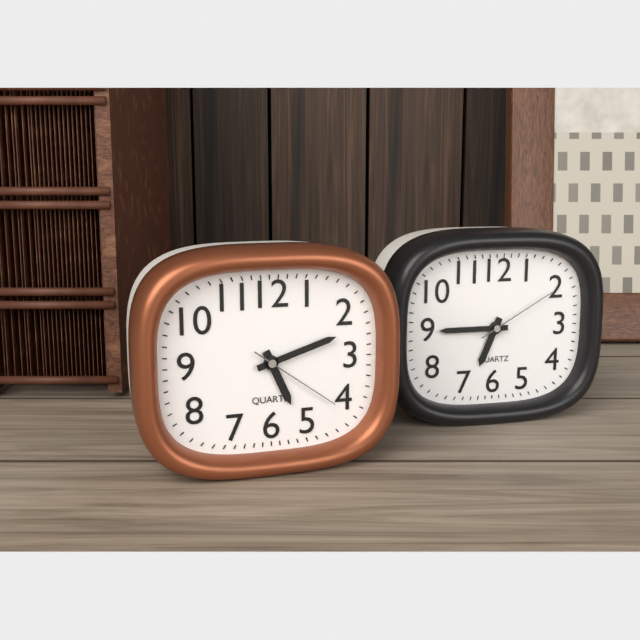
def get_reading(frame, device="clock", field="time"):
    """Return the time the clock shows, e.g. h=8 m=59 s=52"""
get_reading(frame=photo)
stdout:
h=5 m=12 s=21
